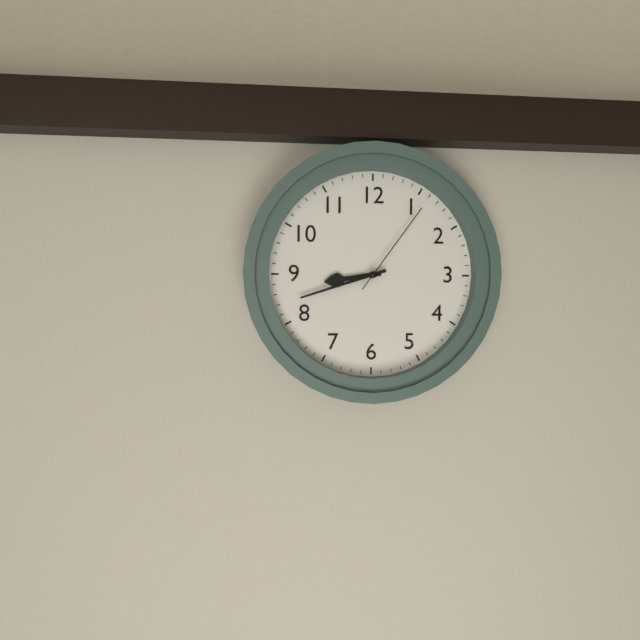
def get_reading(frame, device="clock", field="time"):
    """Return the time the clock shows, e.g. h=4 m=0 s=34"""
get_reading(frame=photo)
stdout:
h=8 m=42 s=6
